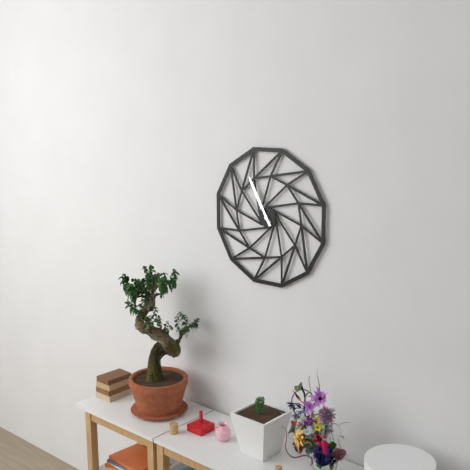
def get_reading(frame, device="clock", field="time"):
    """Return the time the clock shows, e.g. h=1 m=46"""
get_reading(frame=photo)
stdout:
h=10 m=55
